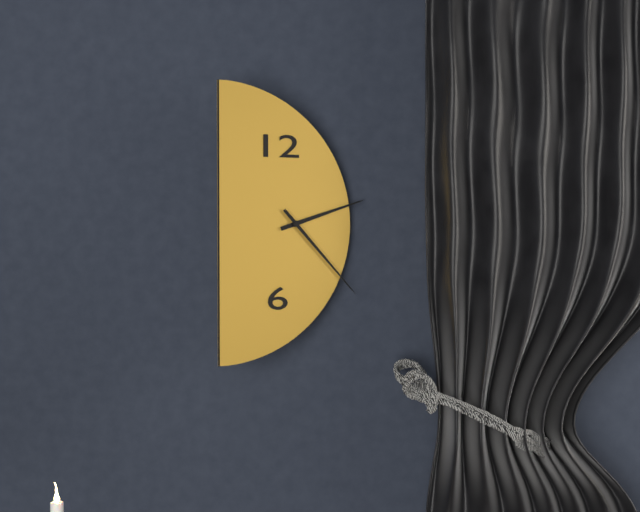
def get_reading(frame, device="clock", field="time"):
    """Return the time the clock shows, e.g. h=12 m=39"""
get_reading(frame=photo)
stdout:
h=2 m=23
